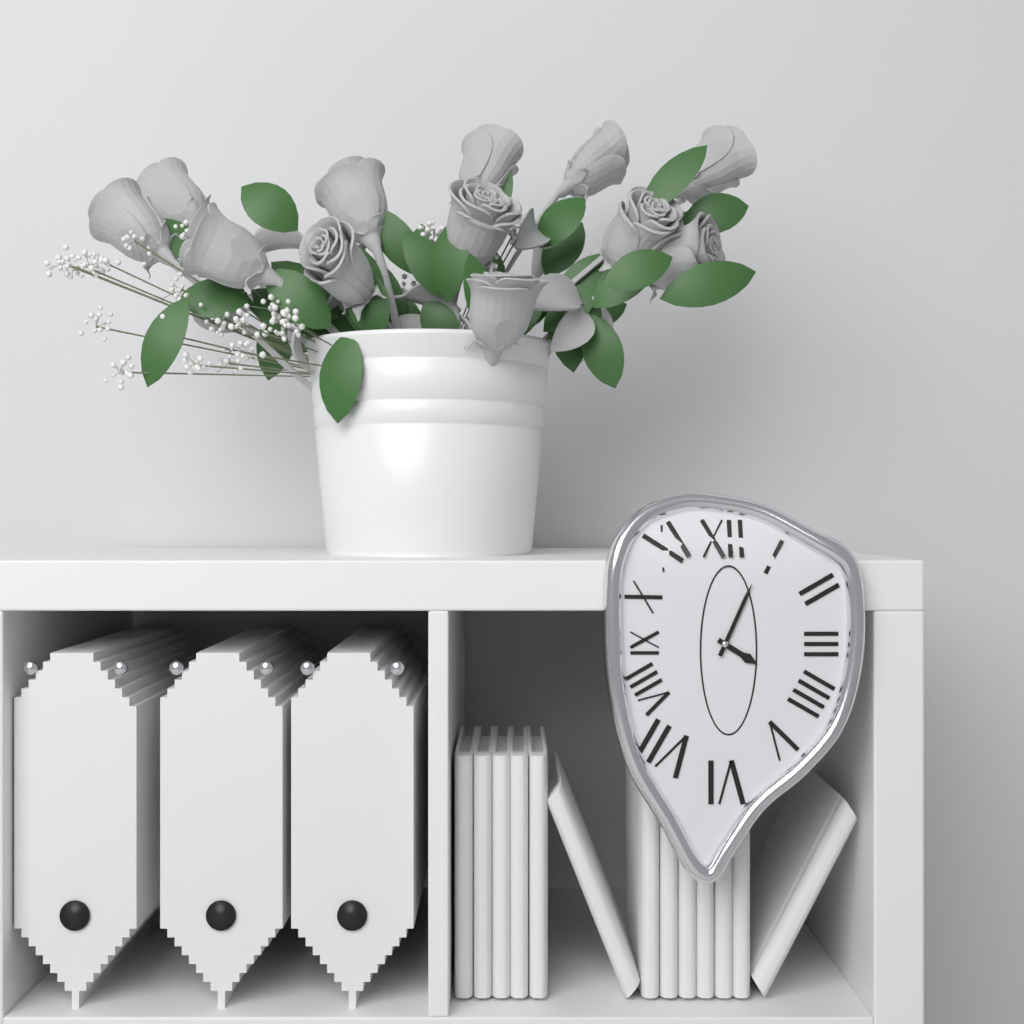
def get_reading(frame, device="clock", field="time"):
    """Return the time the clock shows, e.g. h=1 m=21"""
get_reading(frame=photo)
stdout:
h=4 m=4
